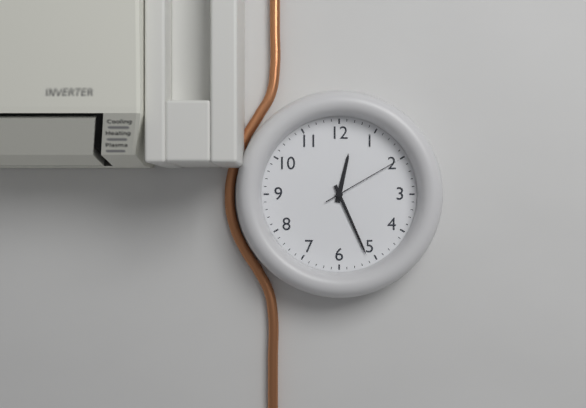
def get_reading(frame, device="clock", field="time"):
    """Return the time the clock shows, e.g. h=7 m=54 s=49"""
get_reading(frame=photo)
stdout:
h=12 m=26 s=10
